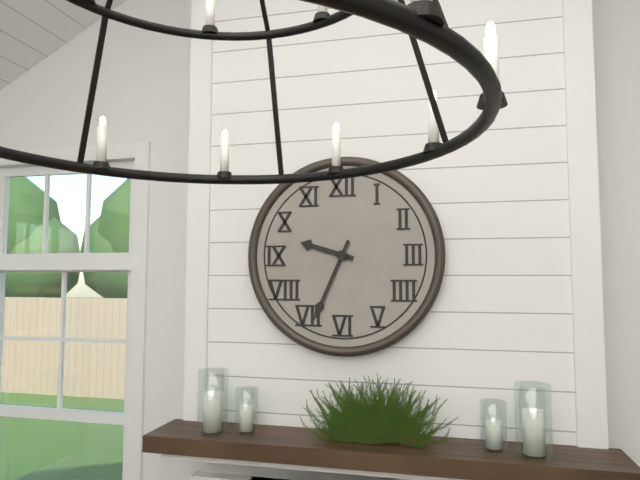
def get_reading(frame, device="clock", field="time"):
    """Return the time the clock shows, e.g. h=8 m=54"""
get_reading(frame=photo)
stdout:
h=9 m=34
